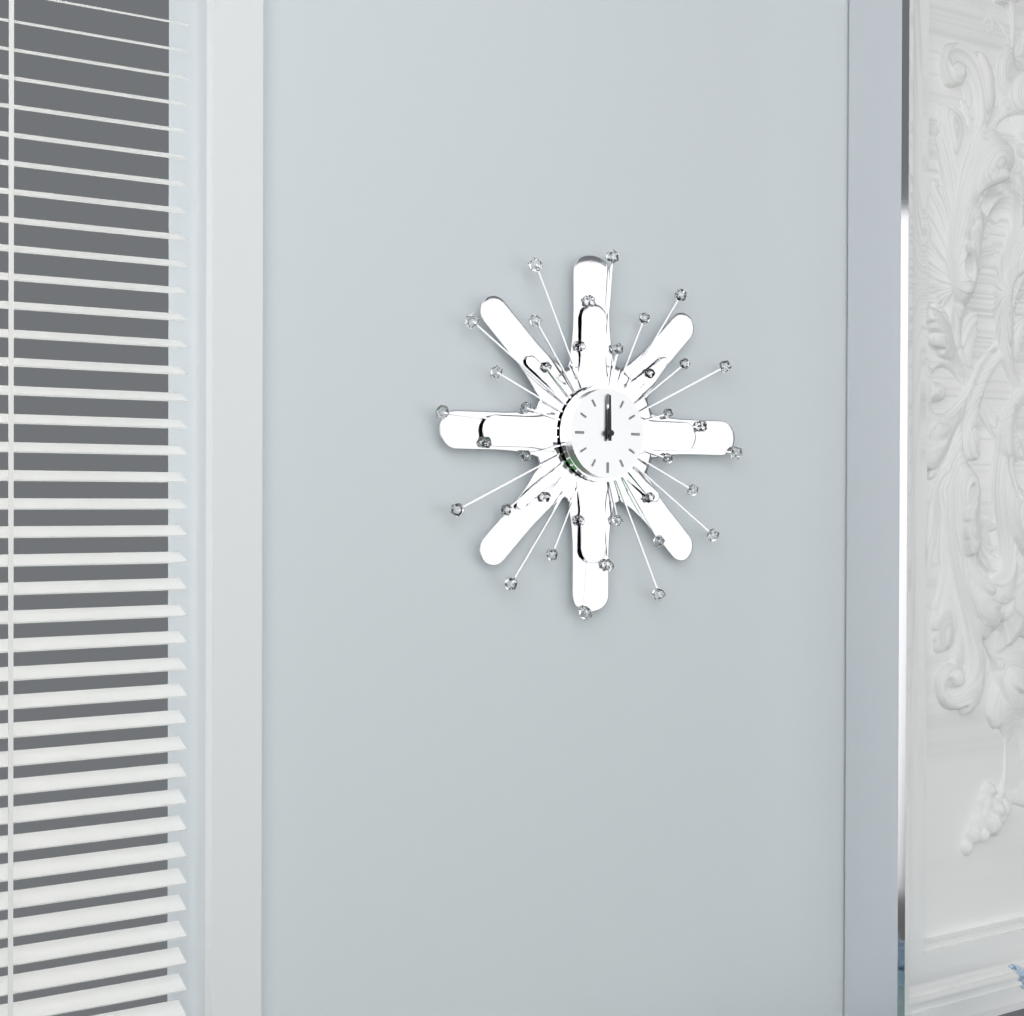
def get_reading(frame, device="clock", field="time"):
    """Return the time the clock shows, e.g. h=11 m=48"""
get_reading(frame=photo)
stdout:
h=12 m=0
